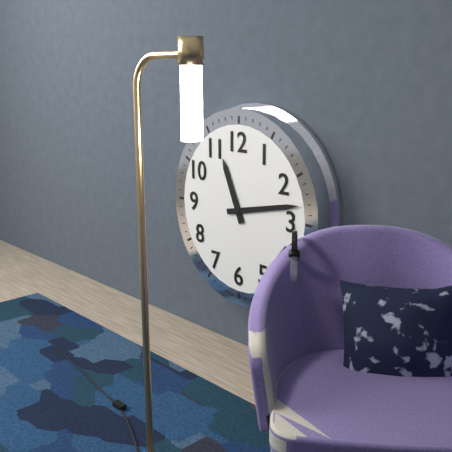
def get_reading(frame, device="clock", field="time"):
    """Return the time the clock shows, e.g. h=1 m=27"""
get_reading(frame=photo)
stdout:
h=11 m=13
